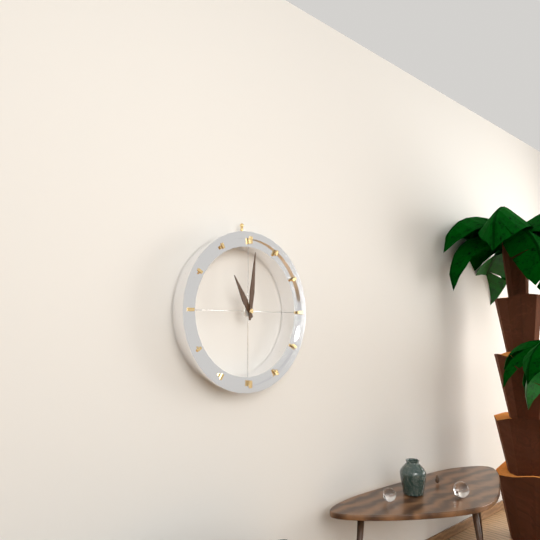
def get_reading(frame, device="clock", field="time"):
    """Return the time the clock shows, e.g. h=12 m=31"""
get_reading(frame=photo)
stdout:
h=11 m=1
